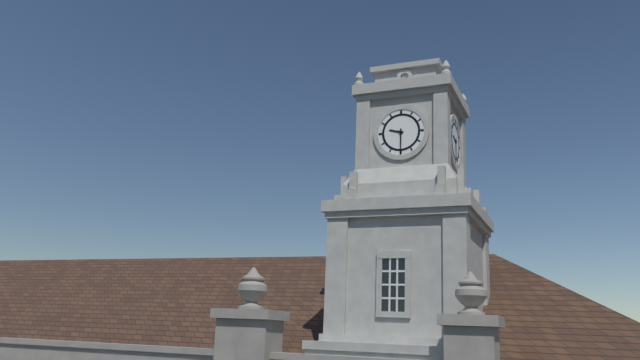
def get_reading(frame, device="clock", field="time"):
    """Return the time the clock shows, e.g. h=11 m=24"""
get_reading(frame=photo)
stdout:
h=9 m=30
